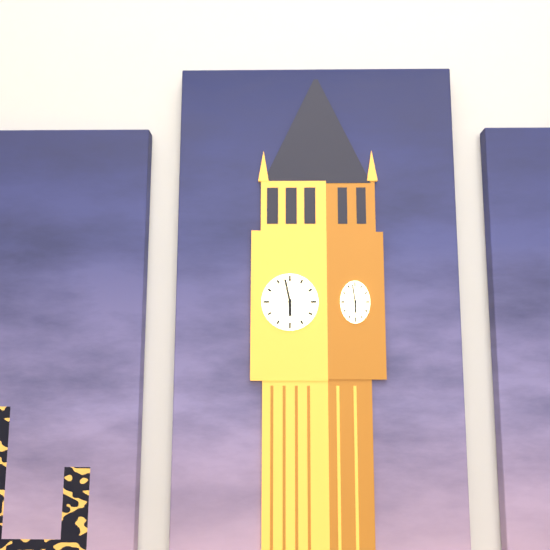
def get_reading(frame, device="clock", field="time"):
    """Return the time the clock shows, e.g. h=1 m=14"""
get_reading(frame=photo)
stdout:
h=5 m=58
